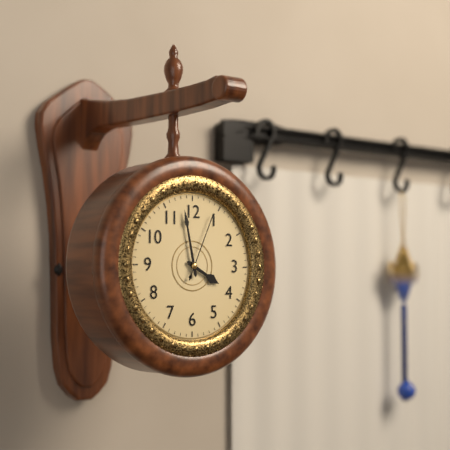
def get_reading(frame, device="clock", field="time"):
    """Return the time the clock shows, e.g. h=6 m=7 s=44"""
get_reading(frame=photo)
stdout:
h=3 m=58 s=4
